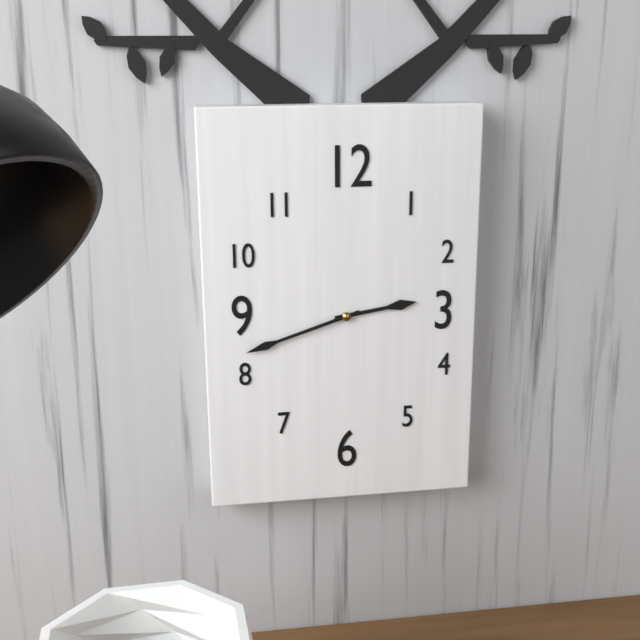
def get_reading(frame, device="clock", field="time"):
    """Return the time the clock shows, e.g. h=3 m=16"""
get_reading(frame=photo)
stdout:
h=2 m=42
